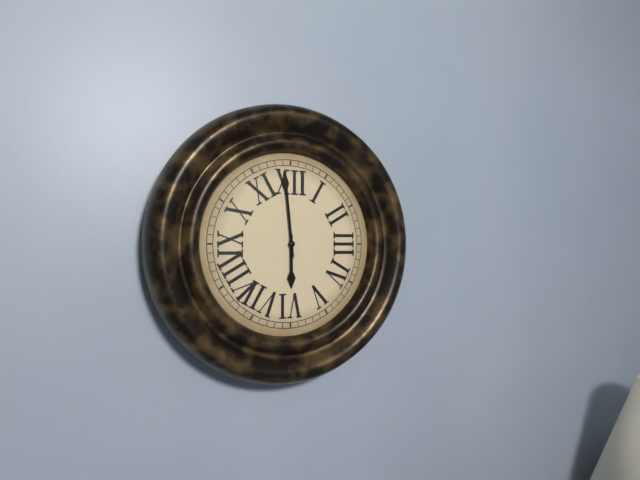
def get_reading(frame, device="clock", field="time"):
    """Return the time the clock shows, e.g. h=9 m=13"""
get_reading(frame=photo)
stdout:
h=5 m=59
